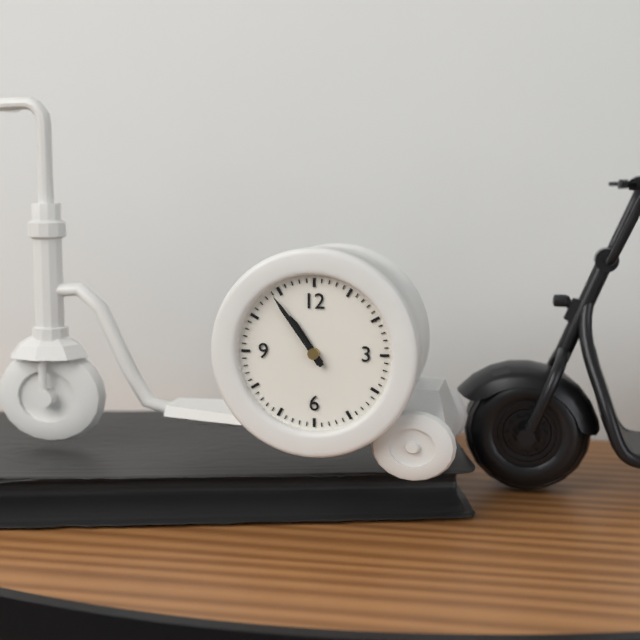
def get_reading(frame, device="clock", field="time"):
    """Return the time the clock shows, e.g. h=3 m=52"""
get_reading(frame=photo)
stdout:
h=10 m=54
